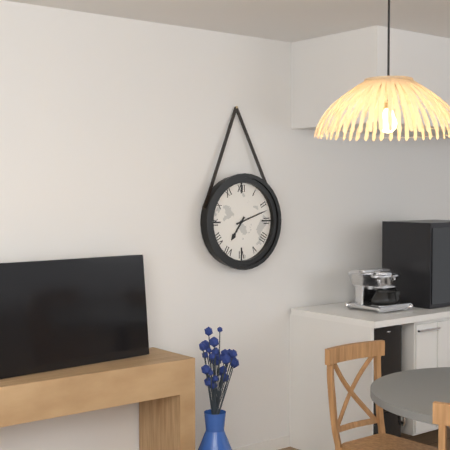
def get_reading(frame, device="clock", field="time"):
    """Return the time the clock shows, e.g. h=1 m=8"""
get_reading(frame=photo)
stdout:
h=7 m=12
